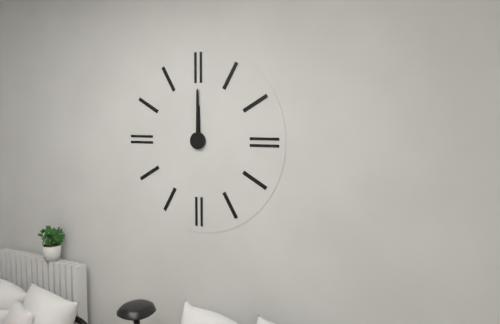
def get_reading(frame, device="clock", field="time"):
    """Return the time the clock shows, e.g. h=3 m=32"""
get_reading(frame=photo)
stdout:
h=12 m=0
